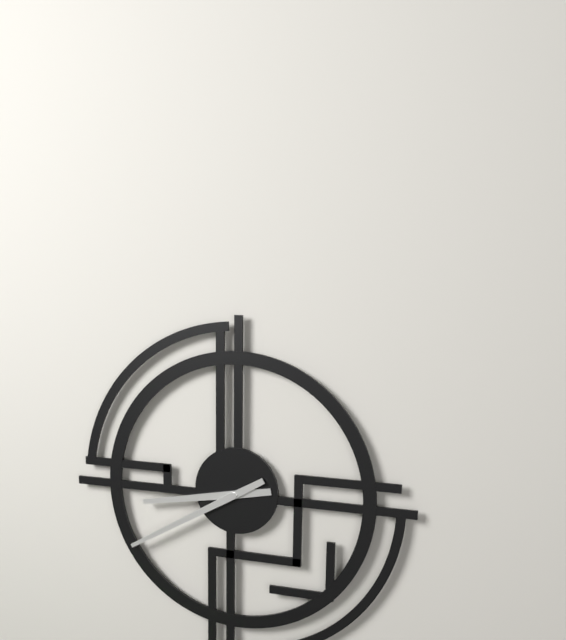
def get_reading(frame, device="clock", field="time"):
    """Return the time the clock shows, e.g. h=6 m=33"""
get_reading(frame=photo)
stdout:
h=8 m=40
